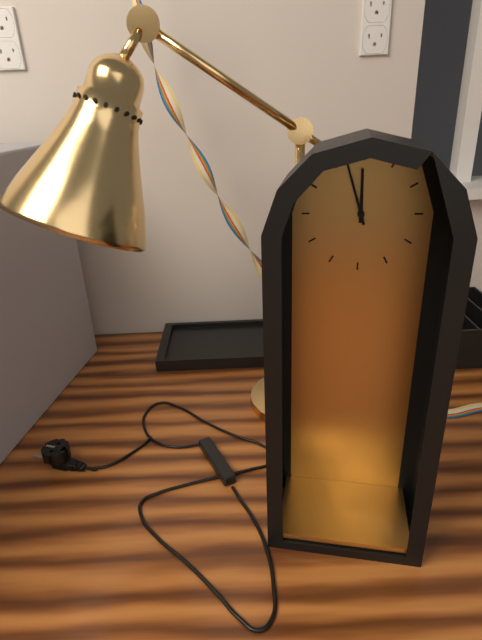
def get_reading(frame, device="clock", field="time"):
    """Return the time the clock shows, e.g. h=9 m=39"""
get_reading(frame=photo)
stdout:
h=11 m=57
